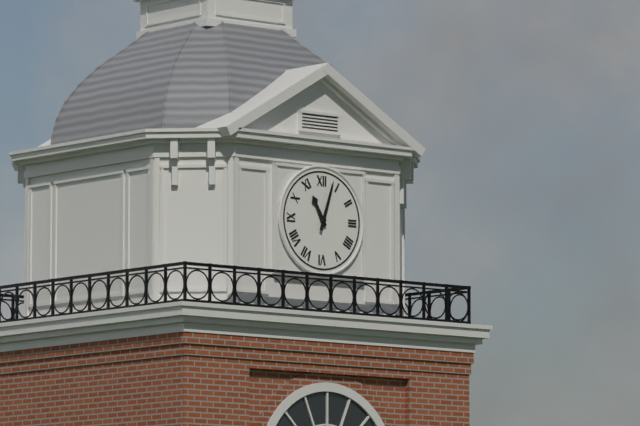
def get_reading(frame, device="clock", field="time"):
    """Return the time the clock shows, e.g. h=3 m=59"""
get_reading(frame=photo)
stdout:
h=11 m=3
